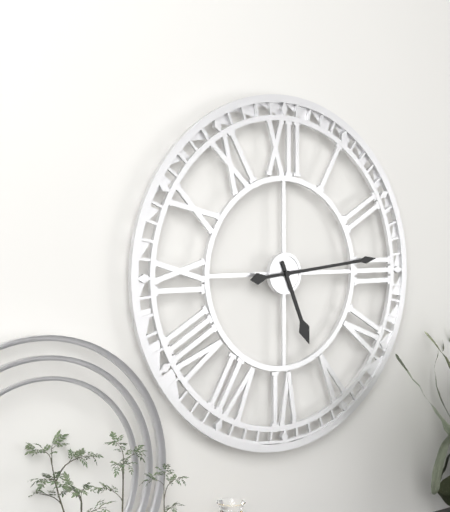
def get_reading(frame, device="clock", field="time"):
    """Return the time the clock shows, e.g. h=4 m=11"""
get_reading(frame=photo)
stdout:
h=5 m=14
